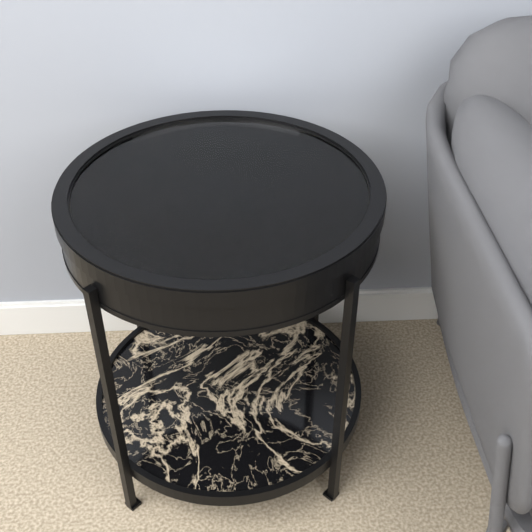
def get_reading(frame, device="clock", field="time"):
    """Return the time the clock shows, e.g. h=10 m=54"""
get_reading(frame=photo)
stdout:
h=3 m=34
